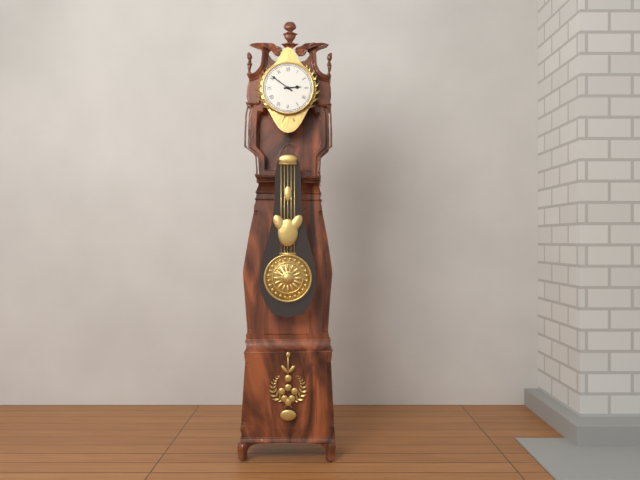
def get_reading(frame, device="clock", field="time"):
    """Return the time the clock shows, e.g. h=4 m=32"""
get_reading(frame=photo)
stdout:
h=2 m=51
